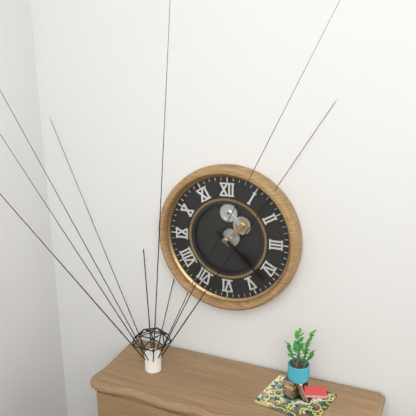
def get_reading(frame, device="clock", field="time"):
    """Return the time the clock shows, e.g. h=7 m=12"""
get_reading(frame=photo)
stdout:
h=4 m=22
